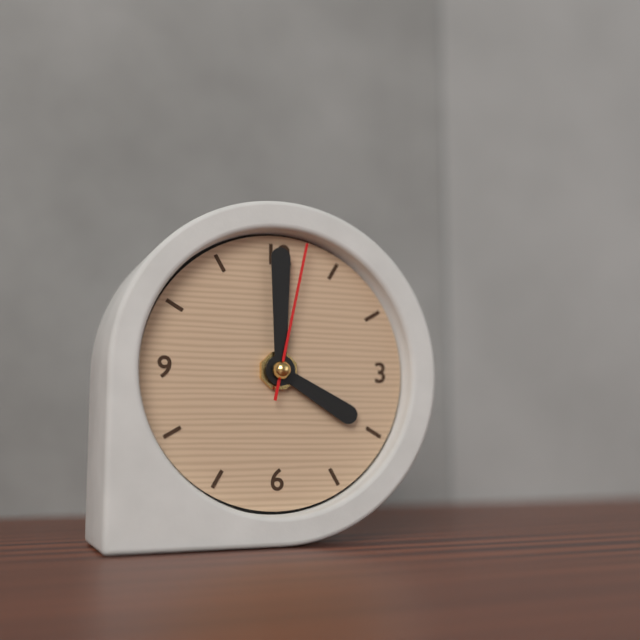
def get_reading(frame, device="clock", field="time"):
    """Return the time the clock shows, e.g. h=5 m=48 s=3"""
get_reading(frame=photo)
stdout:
h=4 m=0 s=2
